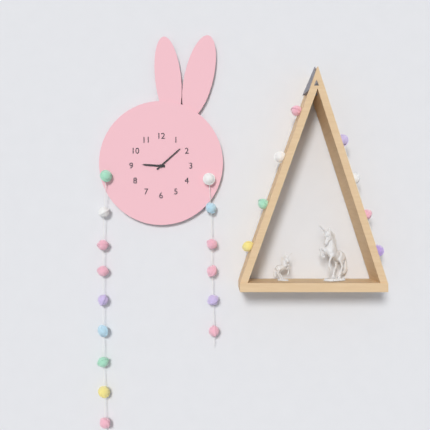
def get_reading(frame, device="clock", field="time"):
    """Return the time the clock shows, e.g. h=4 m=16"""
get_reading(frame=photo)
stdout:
h=9 m=8
